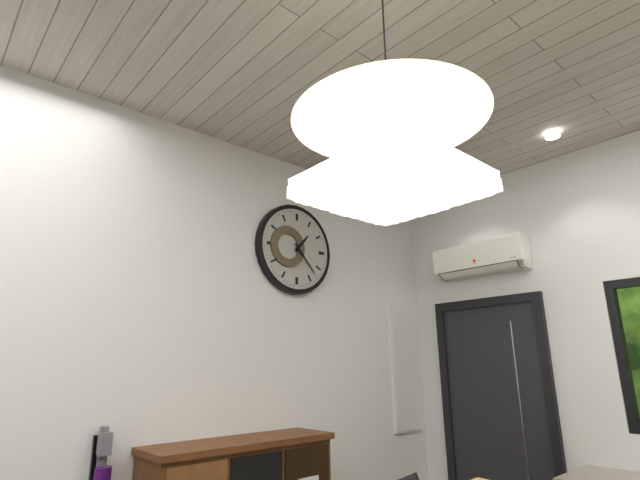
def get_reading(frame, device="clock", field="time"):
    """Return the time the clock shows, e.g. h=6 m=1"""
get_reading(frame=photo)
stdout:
h=1 m=23
